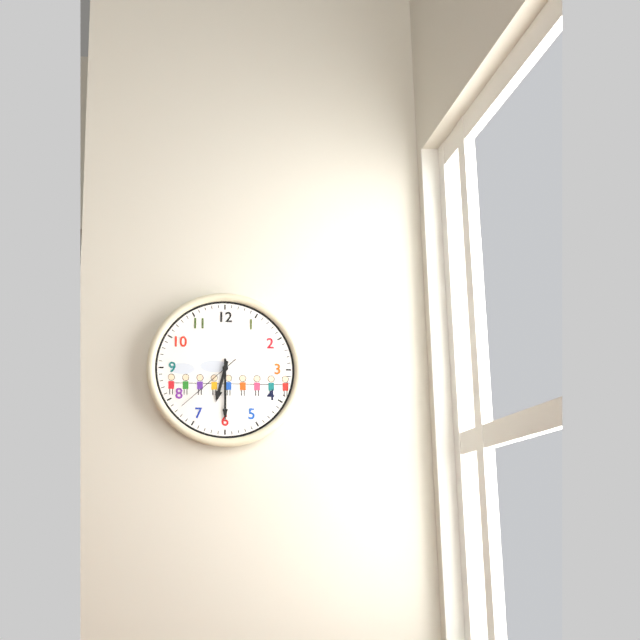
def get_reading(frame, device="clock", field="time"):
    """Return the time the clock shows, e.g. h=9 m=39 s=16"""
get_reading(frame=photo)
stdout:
h=6 m=30 s=38
